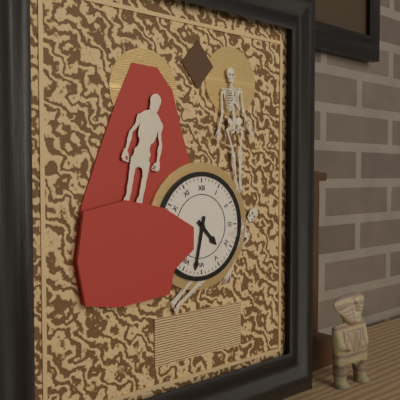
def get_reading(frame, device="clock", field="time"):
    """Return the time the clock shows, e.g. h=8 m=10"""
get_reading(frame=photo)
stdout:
h=4 m=32
